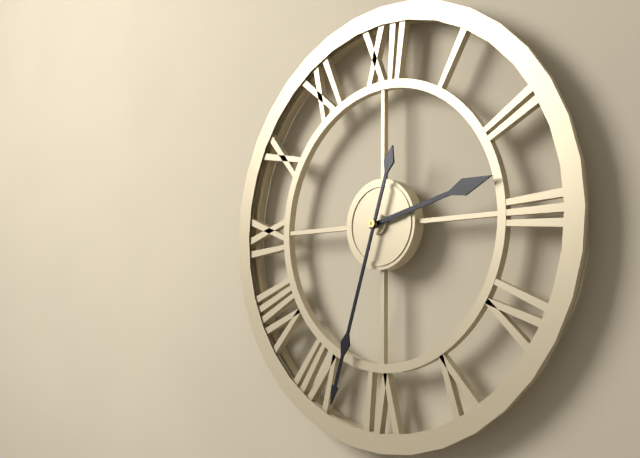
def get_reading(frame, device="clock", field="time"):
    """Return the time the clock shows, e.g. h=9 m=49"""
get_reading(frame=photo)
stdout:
h=2 m=33
